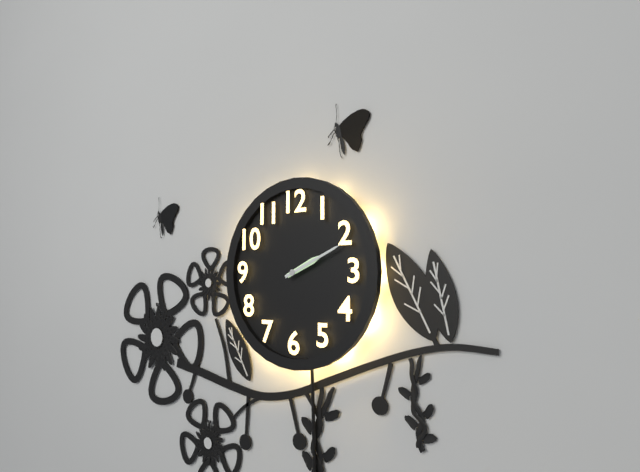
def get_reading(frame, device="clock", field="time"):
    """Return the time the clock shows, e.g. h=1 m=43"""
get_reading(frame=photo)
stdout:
h=2 m=11
